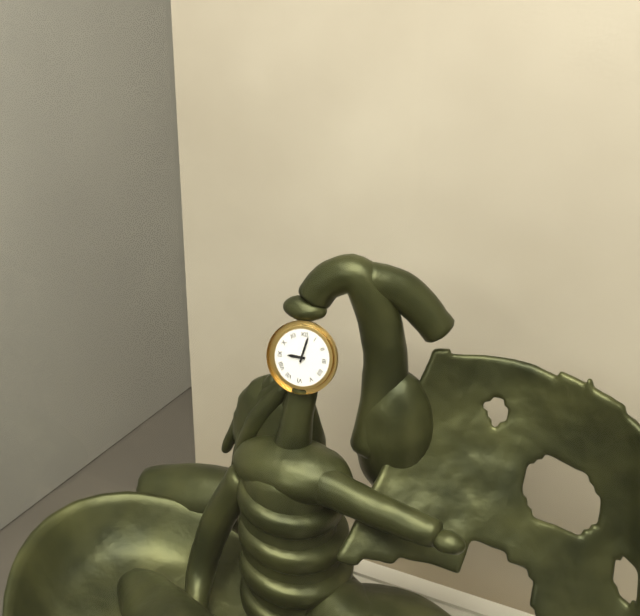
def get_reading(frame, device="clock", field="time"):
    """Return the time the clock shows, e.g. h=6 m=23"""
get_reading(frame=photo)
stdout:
h=9 m=2
